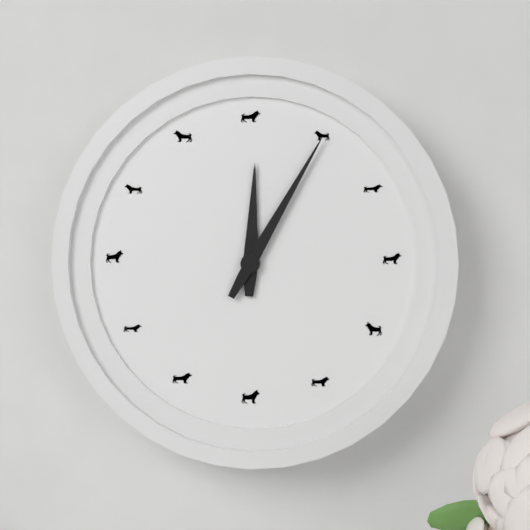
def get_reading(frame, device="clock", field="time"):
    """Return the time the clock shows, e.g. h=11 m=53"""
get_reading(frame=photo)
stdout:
h=12 m=5
